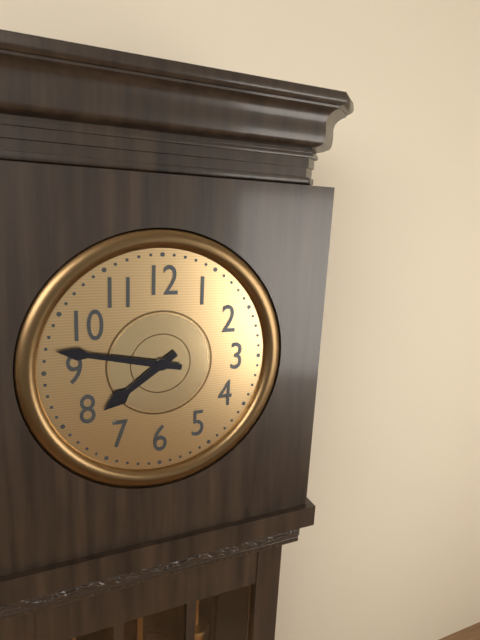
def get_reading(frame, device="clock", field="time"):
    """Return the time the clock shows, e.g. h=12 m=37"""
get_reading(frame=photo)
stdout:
h=7 m=47
